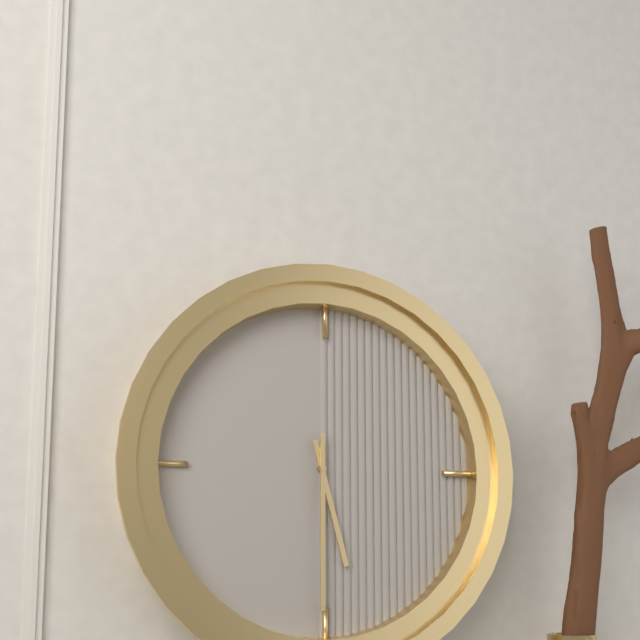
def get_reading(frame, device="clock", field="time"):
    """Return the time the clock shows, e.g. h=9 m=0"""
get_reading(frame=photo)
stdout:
h=5 m=30
